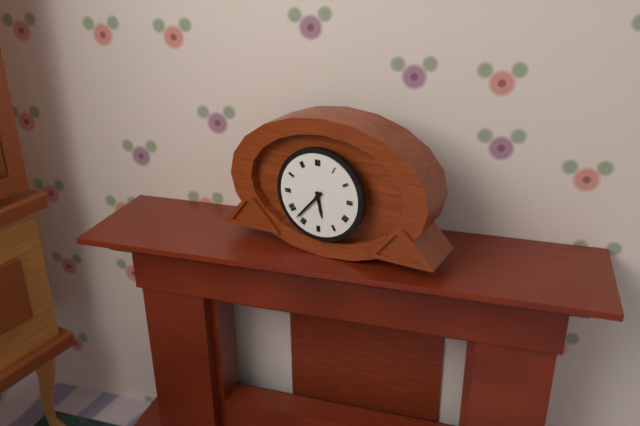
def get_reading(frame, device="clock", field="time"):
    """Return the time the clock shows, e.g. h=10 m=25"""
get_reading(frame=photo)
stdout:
h=5 m=37
